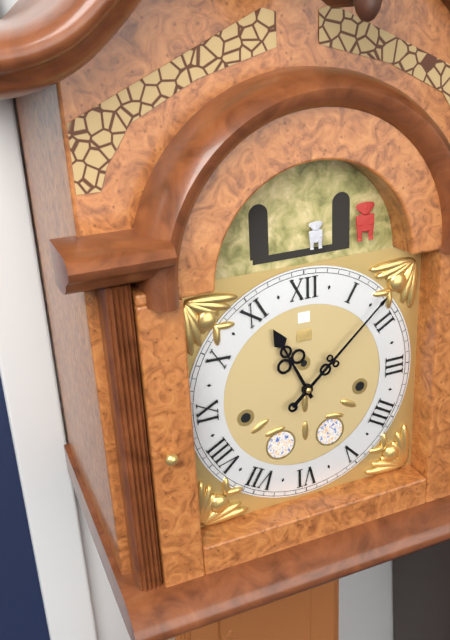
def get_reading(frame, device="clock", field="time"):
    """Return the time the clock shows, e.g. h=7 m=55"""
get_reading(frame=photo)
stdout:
h=11 m=8
